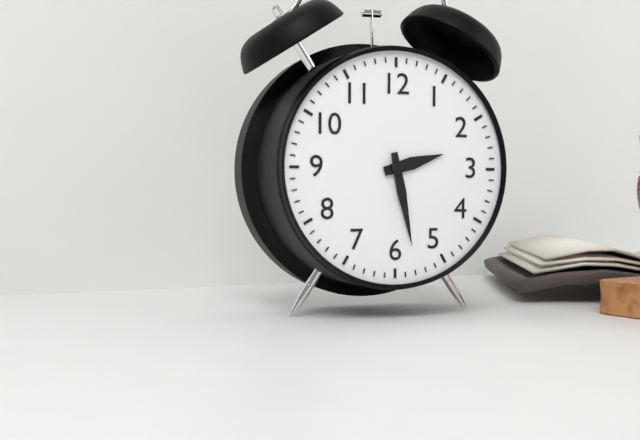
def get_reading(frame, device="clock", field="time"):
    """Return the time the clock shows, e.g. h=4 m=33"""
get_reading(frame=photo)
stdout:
h=2 m=28
